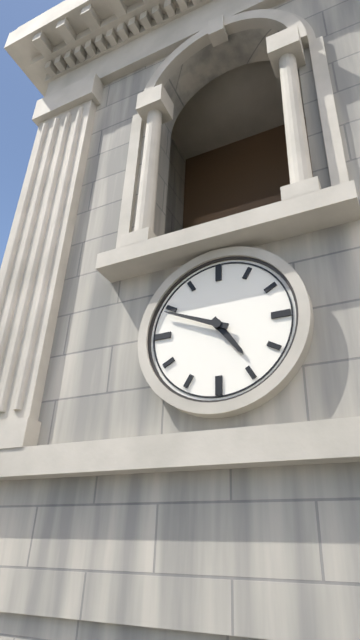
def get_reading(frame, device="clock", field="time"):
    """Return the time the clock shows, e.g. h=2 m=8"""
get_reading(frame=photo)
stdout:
h=4 m=49
